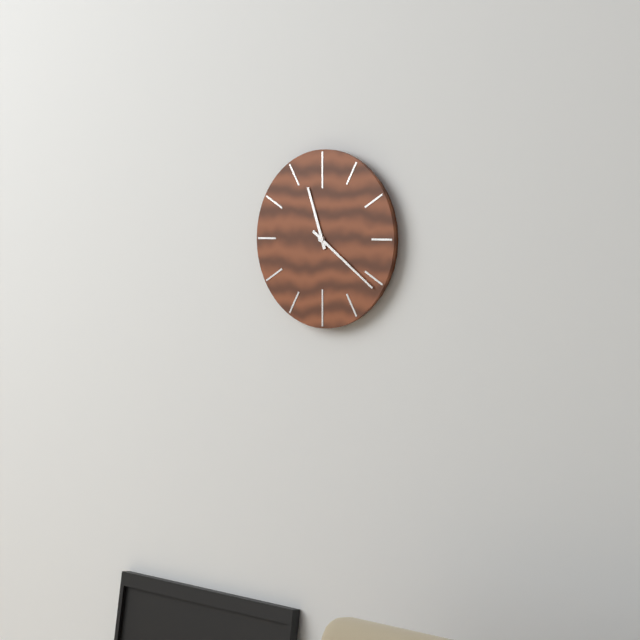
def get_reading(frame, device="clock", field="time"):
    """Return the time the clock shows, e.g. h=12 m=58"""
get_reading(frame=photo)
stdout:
h=11 m=21
